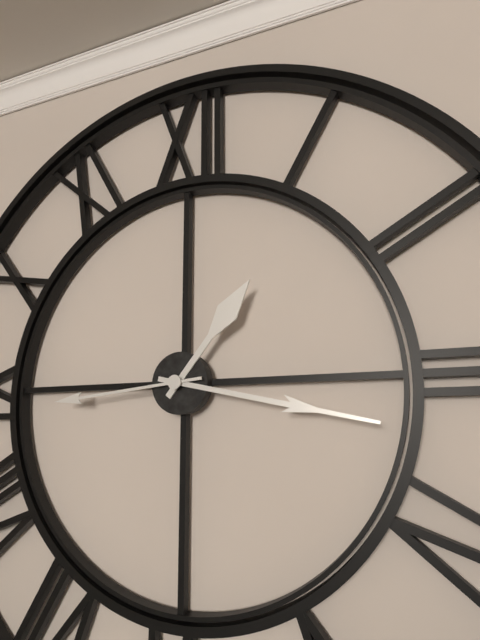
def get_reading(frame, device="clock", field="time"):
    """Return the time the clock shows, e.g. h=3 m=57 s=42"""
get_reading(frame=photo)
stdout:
h=1 m=17 s=44
